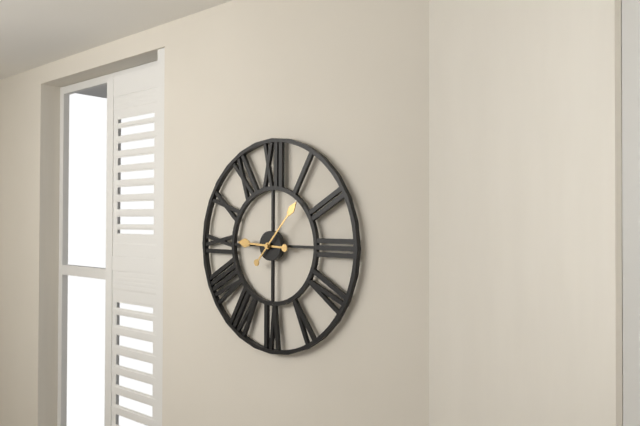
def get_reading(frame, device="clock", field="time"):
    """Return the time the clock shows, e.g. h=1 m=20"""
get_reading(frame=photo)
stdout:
h=9 m=7
